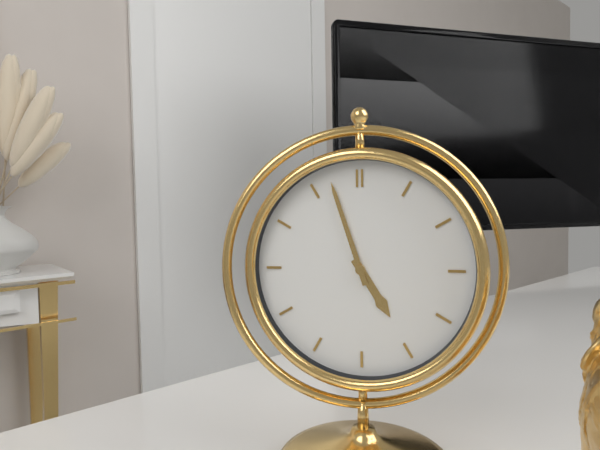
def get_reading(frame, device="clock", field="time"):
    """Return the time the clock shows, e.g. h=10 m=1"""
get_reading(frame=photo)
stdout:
h=4 m=57
